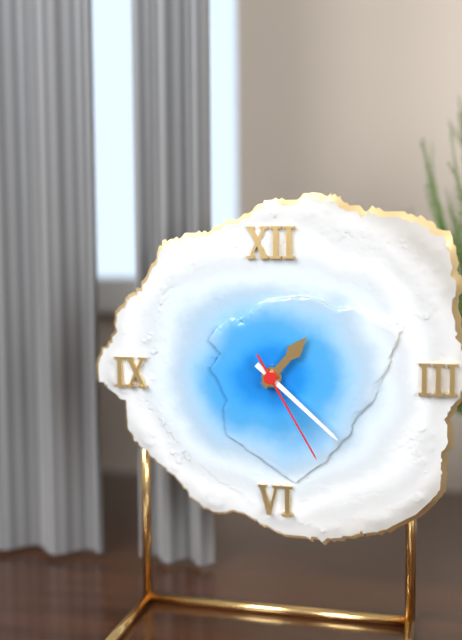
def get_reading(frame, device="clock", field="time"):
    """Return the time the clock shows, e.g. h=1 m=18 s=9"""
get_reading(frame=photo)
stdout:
h=1 m=22 s=25
